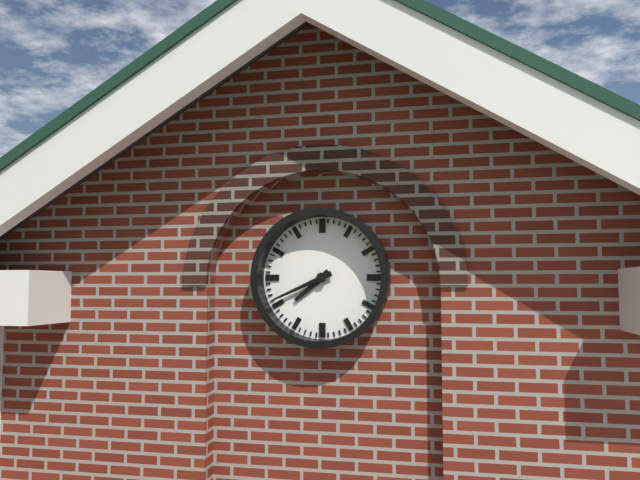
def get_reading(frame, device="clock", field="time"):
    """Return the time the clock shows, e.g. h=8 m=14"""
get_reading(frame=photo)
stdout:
h=7 m=41
